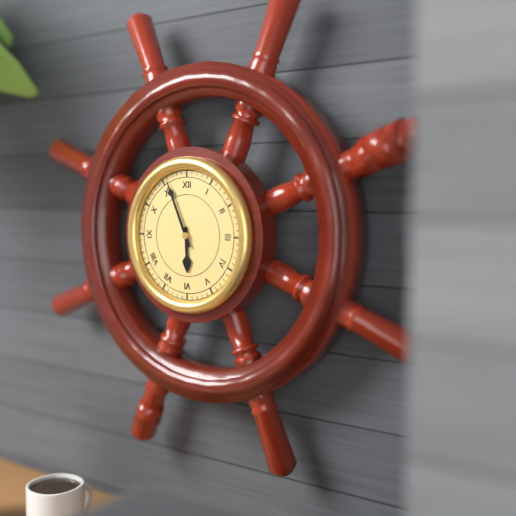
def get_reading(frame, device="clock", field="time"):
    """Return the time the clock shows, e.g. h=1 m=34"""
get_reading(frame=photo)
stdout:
h=5 m=56
